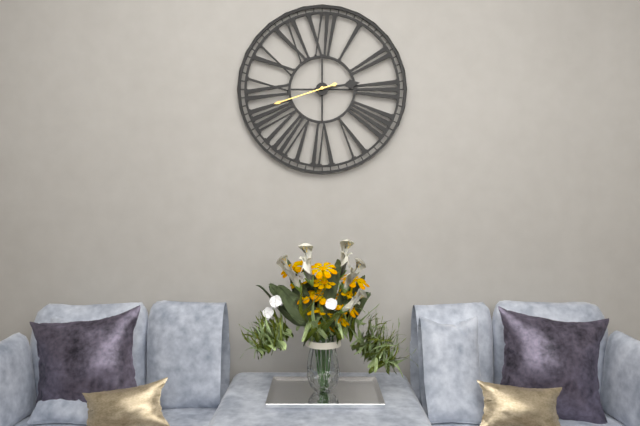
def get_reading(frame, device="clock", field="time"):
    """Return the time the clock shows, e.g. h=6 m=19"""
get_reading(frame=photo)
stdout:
h=2 m=42
